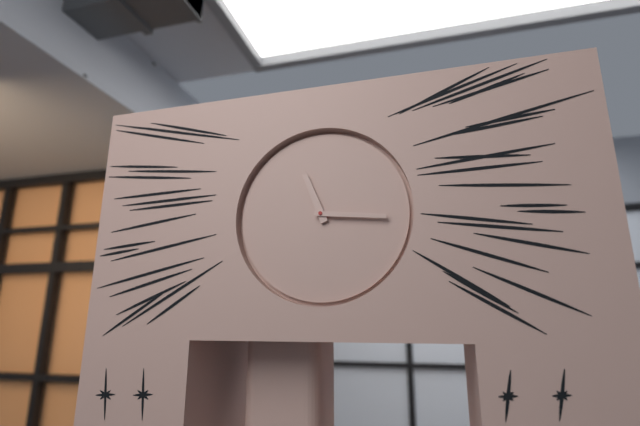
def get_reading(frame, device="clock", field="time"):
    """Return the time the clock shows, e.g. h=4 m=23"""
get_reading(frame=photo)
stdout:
h=11 m=16
